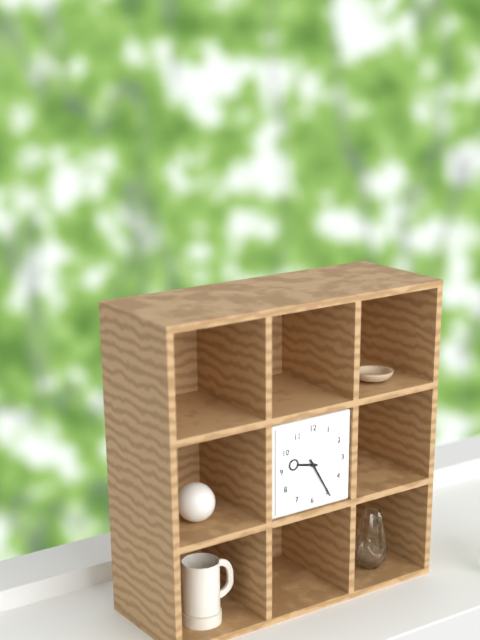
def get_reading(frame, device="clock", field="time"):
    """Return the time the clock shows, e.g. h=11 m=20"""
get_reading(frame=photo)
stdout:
h=9 m=25
